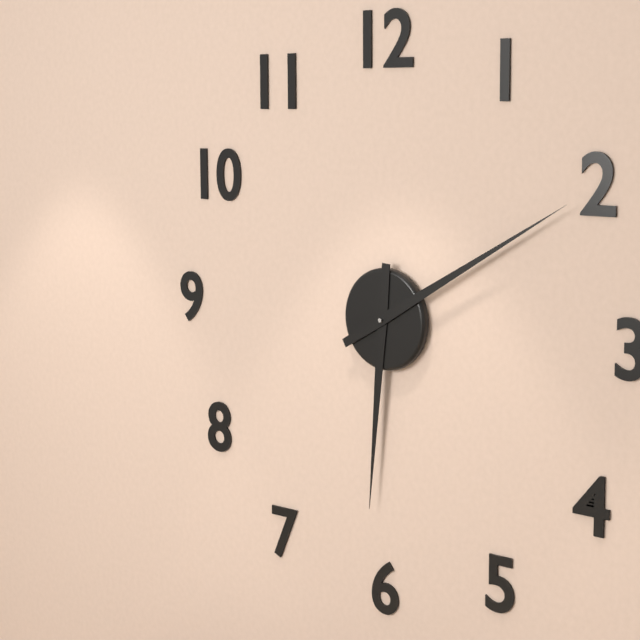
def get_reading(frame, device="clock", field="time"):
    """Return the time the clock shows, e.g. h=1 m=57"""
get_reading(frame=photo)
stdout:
h=6 m=10
